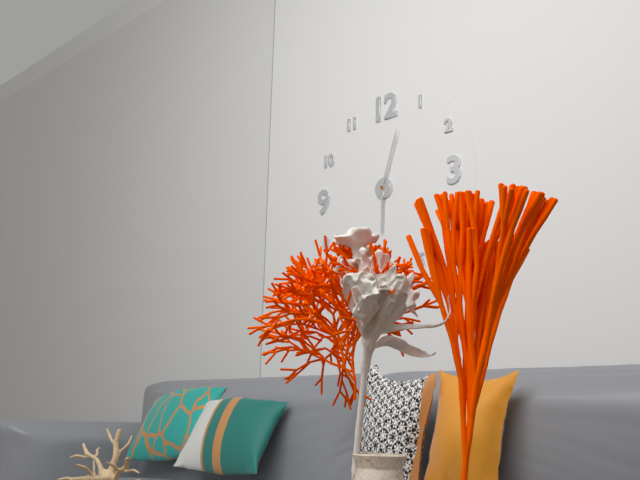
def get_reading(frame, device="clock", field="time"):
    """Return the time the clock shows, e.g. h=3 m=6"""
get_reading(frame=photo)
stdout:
h=6 m=3
